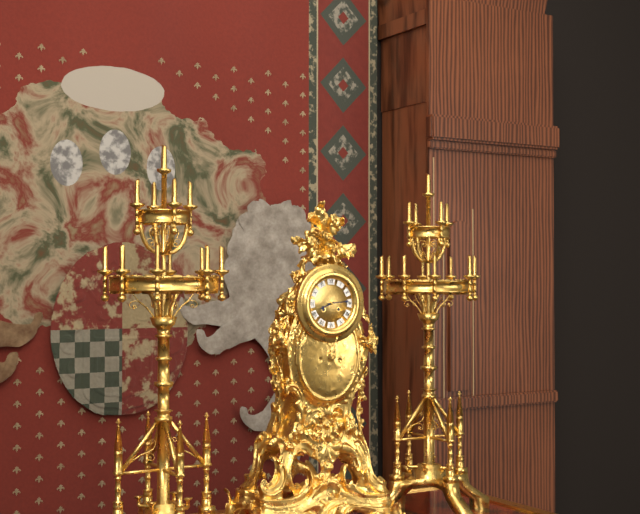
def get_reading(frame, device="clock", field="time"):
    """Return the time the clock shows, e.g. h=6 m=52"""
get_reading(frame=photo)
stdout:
h=8 m=14
